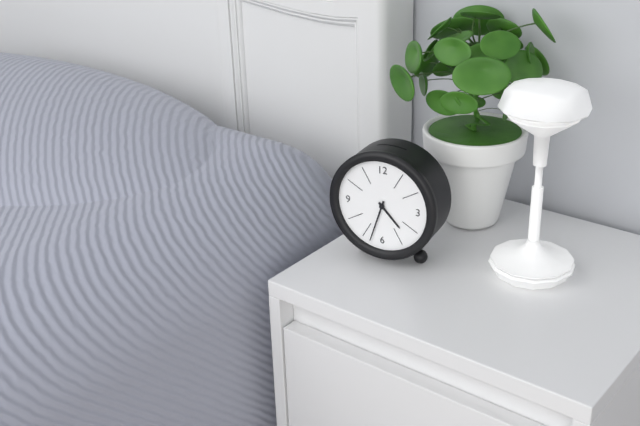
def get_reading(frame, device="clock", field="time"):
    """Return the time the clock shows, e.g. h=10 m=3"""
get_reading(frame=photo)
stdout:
h=4 m=33
